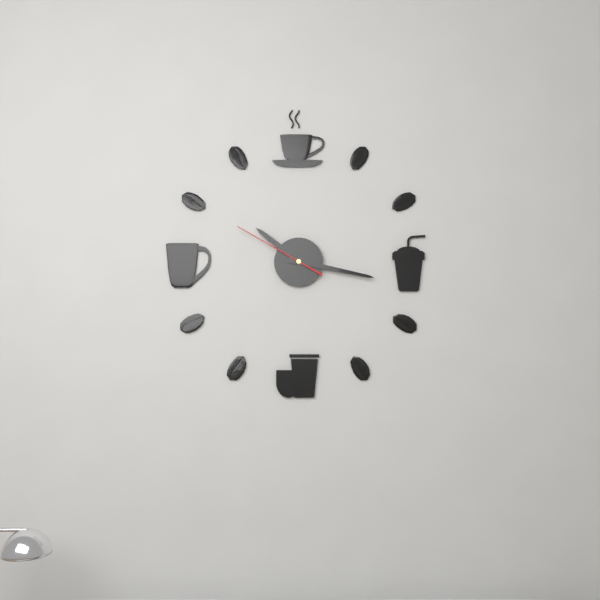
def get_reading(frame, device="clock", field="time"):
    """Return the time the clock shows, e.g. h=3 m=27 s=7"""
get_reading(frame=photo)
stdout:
h=10 m=17 s=50
